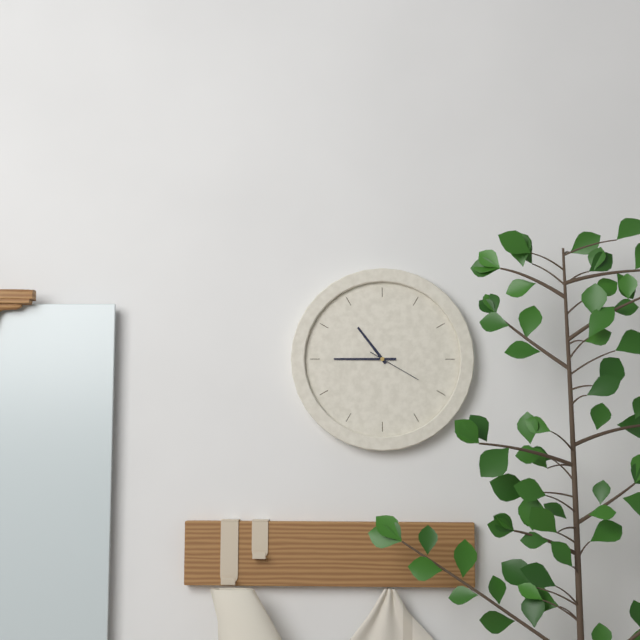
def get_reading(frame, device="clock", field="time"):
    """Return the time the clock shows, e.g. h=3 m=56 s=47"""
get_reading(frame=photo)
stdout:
h=10 m=45 s=20
